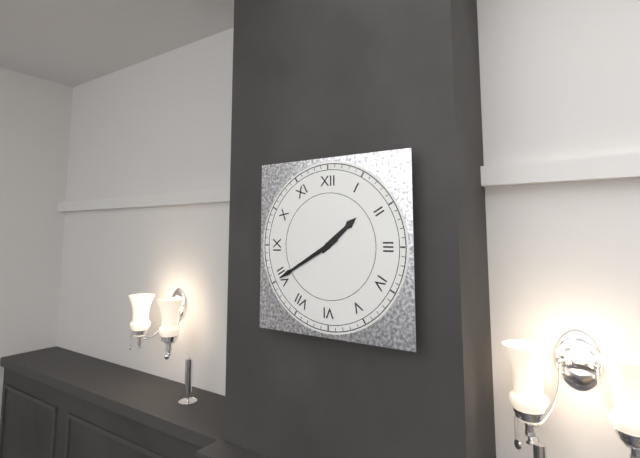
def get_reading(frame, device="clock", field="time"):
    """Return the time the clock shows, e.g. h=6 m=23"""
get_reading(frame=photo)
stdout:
h=1 m=40
